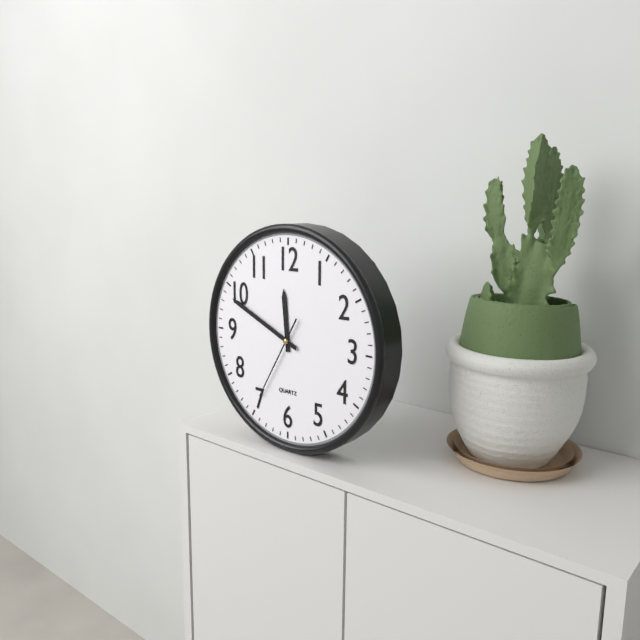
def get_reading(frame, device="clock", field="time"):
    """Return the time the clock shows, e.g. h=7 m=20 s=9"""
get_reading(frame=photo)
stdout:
h=11 m=49 s=35
